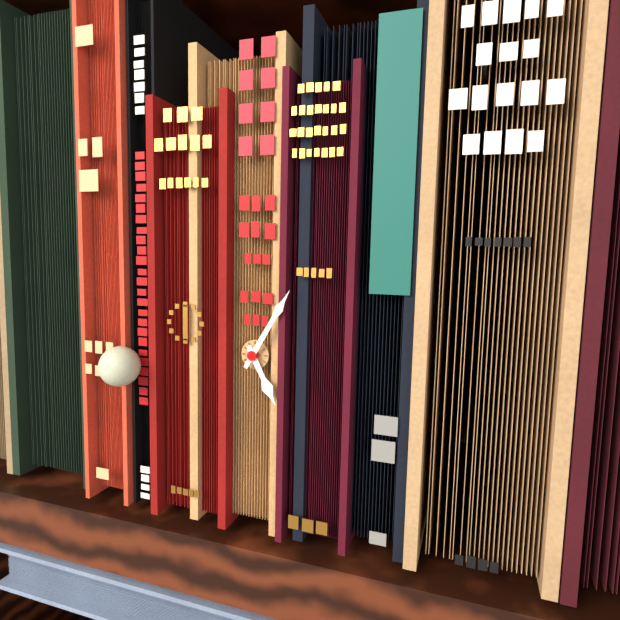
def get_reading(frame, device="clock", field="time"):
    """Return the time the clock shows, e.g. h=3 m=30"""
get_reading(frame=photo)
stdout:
h=5 m=5
